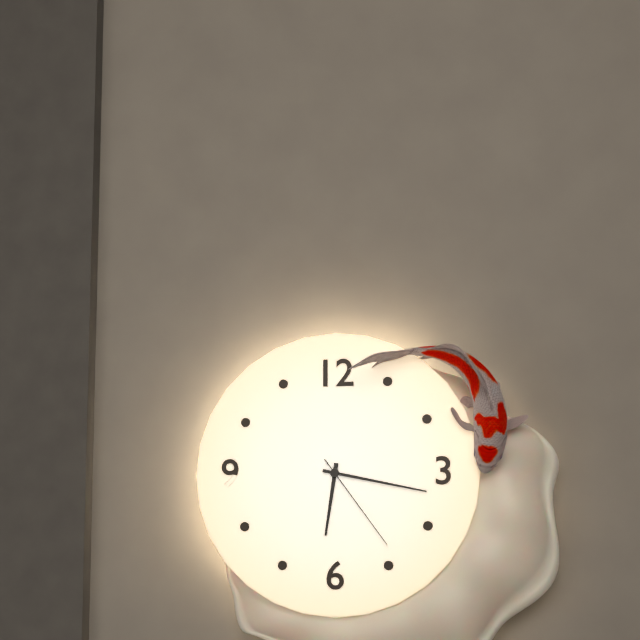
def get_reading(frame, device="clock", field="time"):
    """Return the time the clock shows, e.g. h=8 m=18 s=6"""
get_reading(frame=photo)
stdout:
h=6 m=17 s=24
